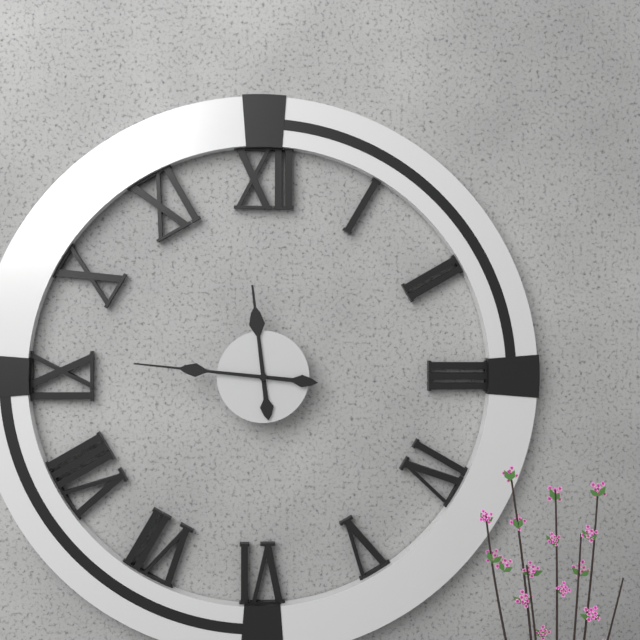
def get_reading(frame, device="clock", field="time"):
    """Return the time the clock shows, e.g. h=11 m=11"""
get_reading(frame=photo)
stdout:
h=11 m=46
